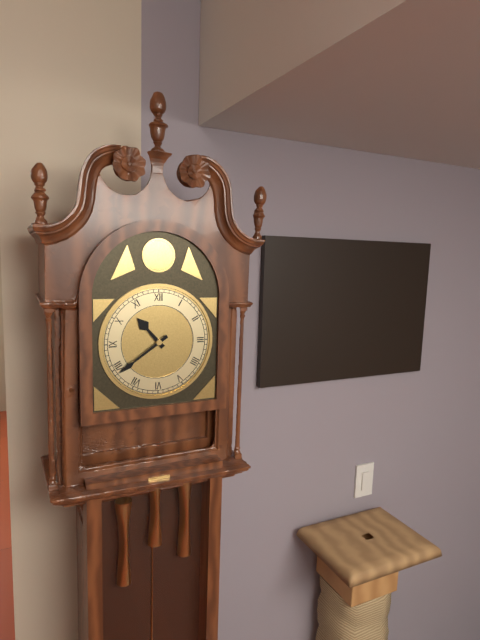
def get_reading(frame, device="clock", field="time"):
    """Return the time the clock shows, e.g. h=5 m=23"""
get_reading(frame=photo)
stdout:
h=10 m=39
